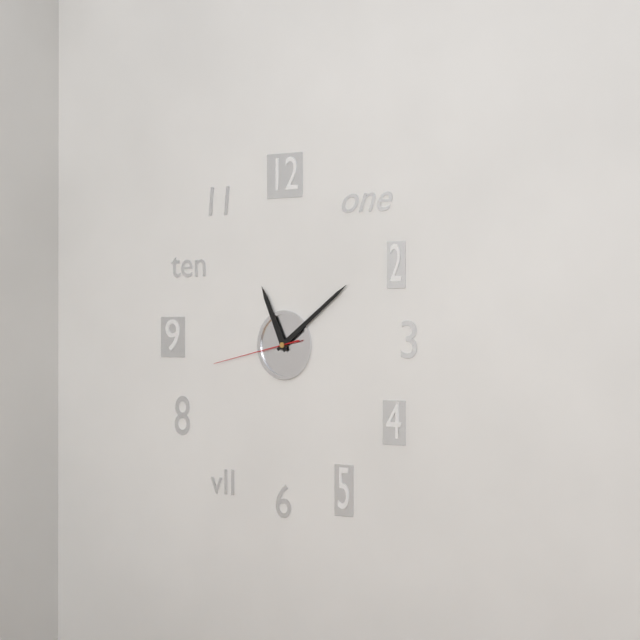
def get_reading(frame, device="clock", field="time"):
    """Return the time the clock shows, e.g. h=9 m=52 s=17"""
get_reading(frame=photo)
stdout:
h=11 m=9 s=43
